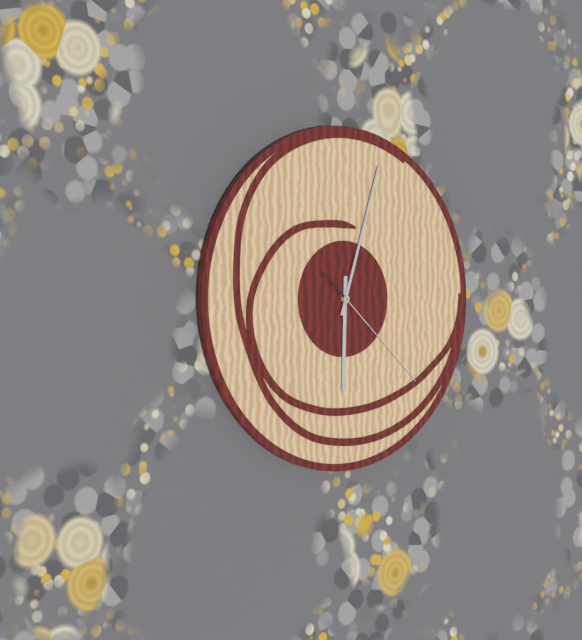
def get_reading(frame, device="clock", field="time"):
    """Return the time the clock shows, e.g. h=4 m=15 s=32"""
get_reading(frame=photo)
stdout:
h=6 m=3 s=22
